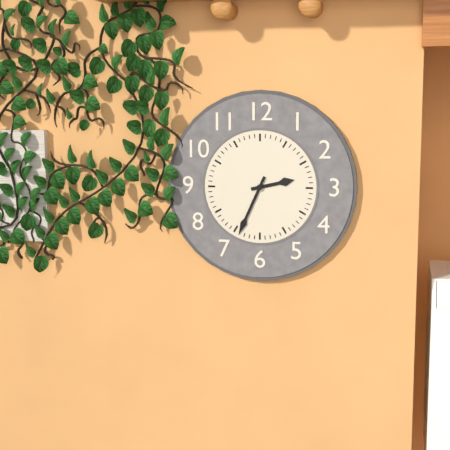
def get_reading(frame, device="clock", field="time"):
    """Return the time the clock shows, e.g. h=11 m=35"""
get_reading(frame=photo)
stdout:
h=2 m=34
